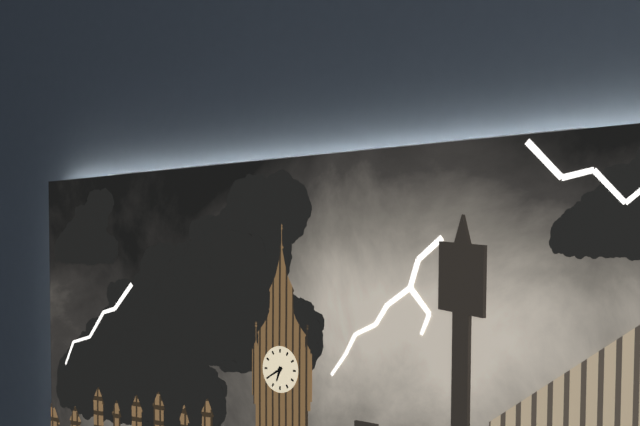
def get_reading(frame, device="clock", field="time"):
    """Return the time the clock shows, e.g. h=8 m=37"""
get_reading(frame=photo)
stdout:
h=6 m=40
